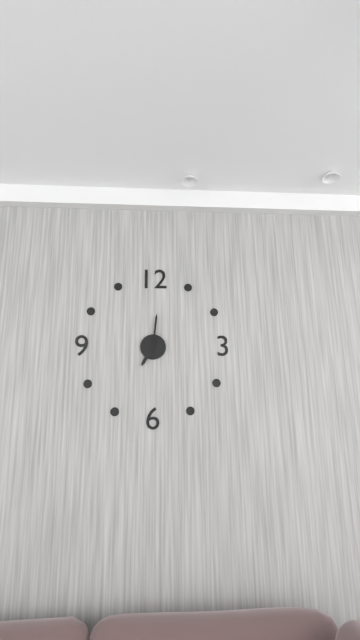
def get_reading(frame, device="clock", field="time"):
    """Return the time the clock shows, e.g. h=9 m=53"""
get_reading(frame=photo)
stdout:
h=7 m=1
